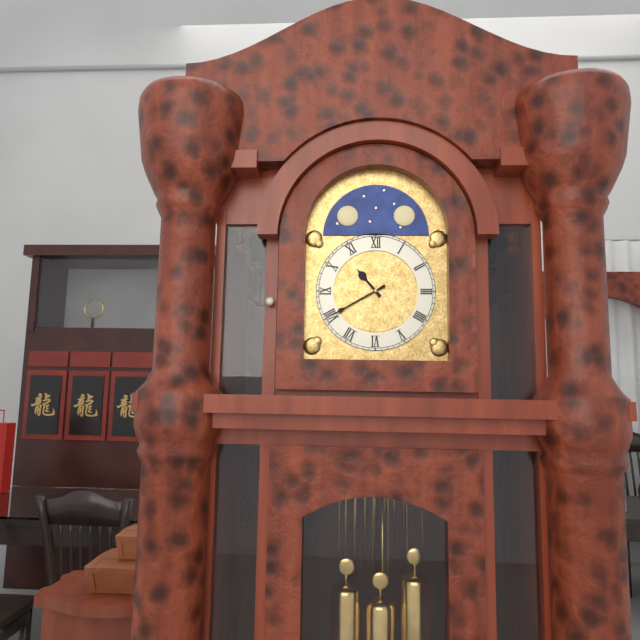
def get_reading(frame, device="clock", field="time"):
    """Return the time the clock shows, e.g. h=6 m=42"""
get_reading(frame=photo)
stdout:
h=10 m=40
